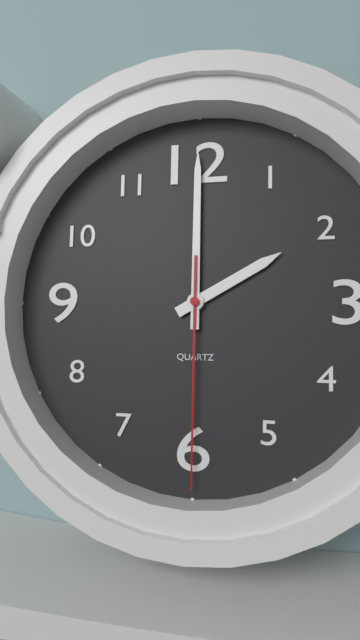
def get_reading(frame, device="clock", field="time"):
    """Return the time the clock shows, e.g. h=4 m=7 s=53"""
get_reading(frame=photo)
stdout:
h=2 m=0 s=30
